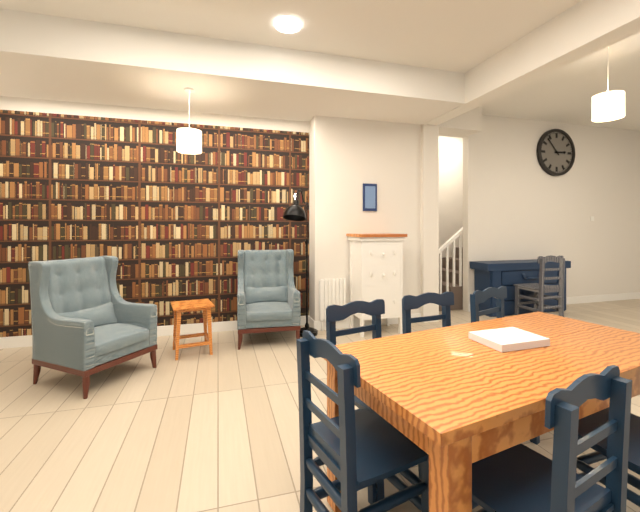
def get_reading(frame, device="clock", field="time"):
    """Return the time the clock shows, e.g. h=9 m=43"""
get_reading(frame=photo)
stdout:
h=2 m=53
